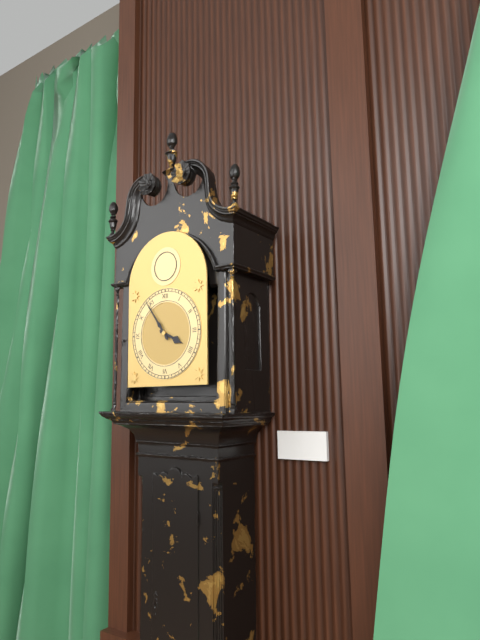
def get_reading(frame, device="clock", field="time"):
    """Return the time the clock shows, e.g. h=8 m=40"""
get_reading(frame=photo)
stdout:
h=3 m=54
